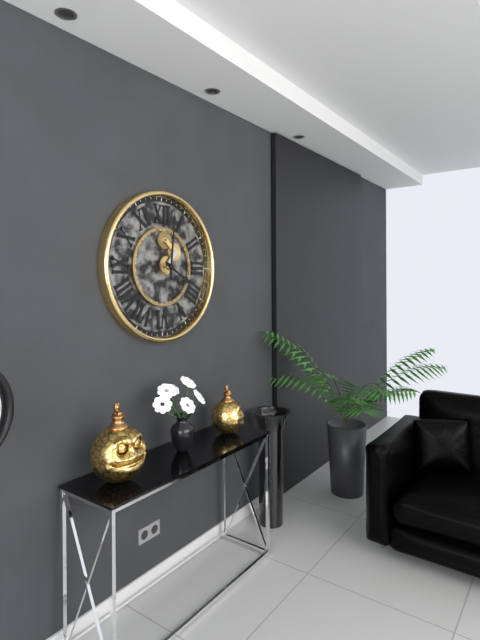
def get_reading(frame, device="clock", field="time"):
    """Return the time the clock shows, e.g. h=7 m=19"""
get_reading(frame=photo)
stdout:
h=4 m=1
